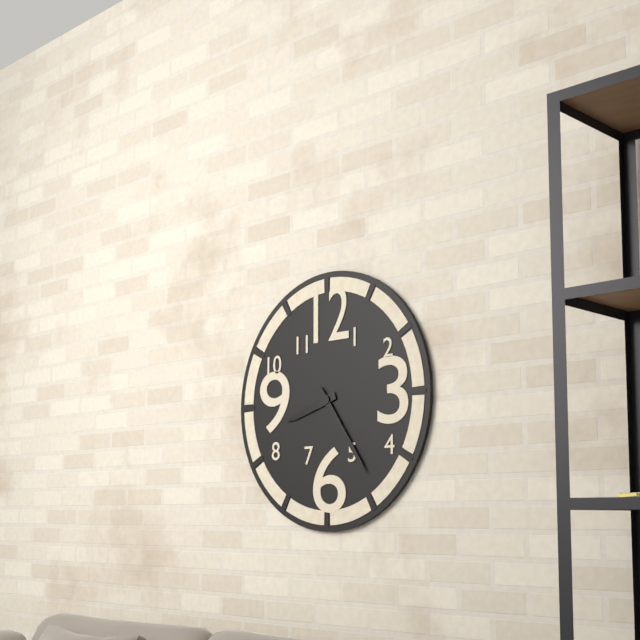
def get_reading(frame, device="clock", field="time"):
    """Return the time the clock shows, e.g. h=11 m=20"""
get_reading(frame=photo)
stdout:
h=8 m=24
